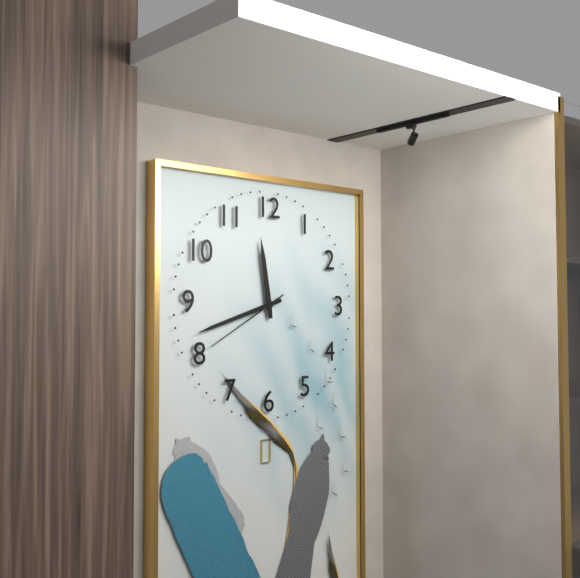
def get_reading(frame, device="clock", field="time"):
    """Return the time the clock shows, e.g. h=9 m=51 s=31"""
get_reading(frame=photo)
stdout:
h=11 m=42 s=40
